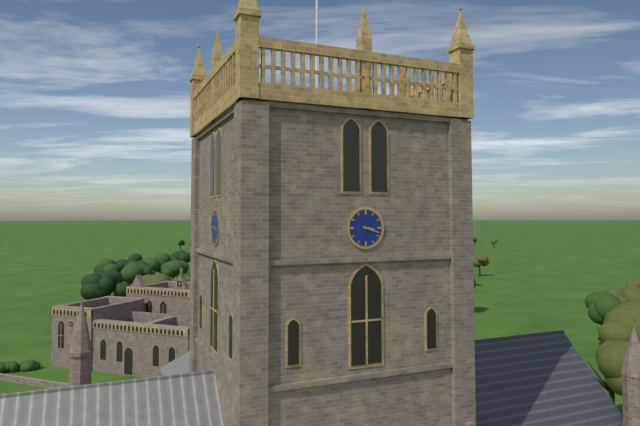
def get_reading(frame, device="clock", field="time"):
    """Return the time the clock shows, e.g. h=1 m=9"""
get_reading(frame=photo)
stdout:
h=3 m=18
